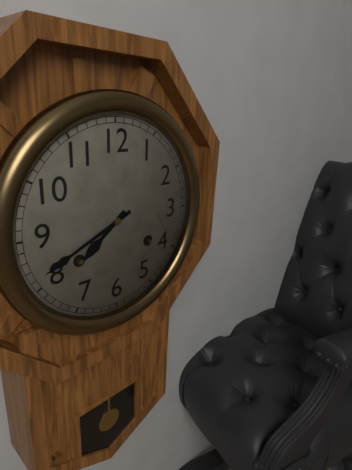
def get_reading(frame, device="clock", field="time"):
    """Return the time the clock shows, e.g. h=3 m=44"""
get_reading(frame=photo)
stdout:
h=7 m=41
